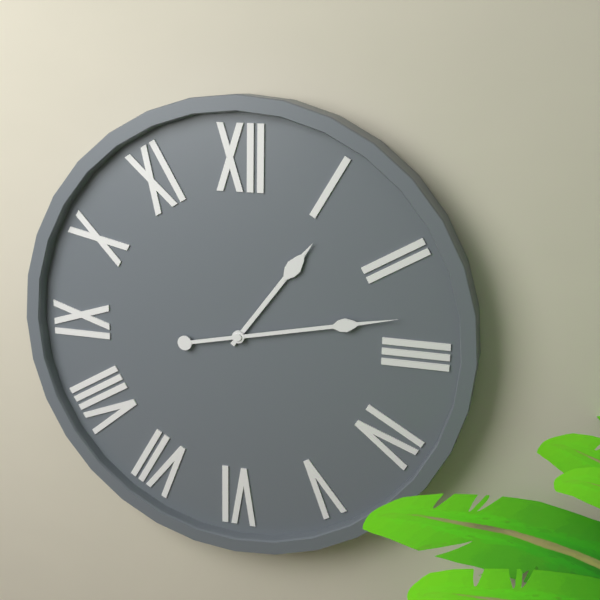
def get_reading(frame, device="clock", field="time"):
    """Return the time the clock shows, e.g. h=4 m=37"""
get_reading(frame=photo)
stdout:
h=1 m=13
